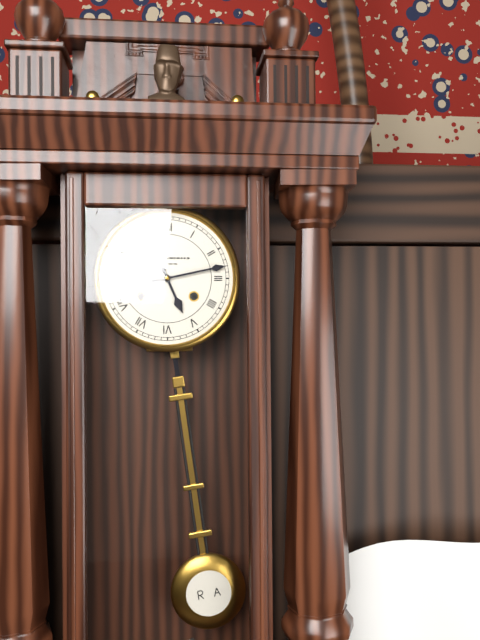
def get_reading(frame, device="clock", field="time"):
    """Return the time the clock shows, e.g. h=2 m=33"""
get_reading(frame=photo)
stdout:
h=5 m=13
